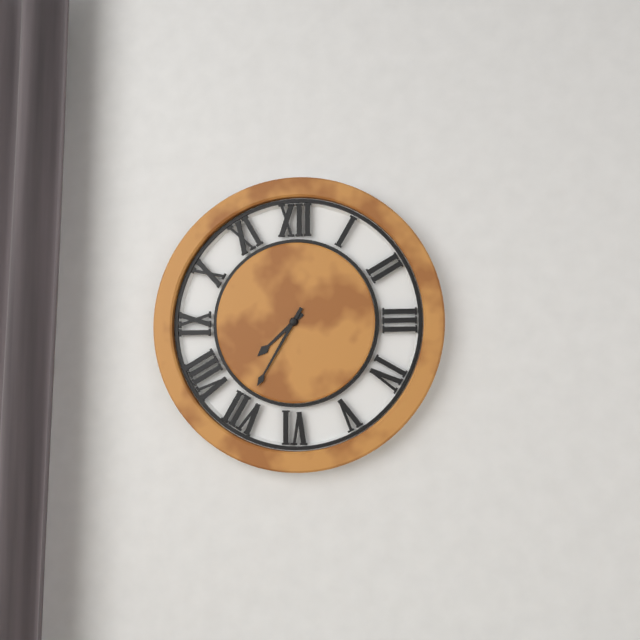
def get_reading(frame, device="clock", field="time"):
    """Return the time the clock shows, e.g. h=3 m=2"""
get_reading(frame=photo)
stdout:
h=7 m=35
